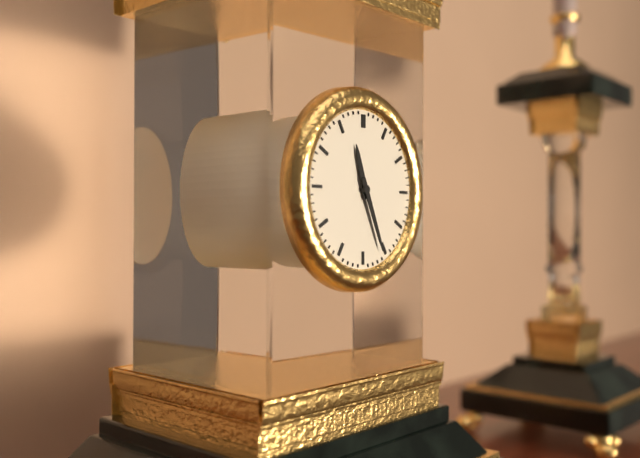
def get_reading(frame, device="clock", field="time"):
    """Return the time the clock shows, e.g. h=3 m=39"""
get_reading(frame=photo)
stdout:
h=11 m=26
